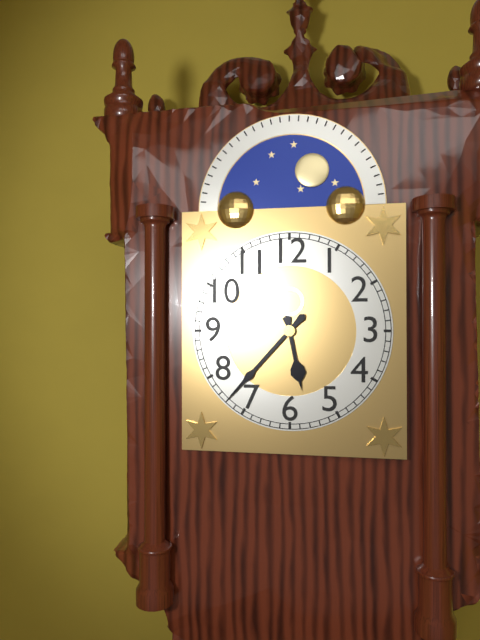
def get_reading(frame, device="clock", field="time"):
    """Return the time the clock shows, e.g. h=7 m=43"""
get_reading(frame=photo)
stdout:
h=5 m=37
